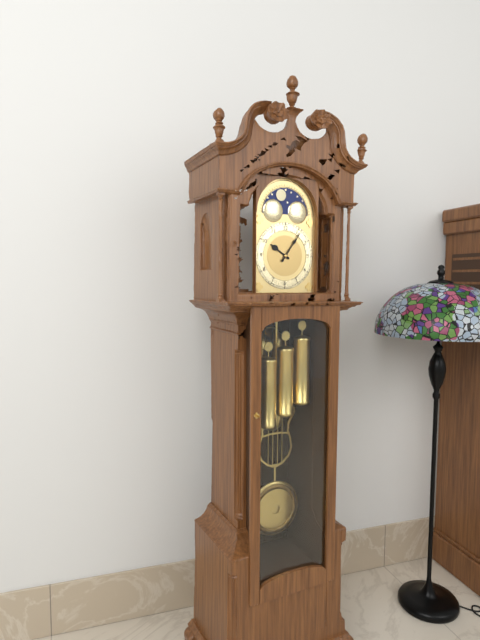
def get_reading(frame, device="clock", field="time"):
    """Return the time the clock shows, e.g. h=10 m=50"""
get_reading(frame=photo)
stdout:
h=10 m=6
